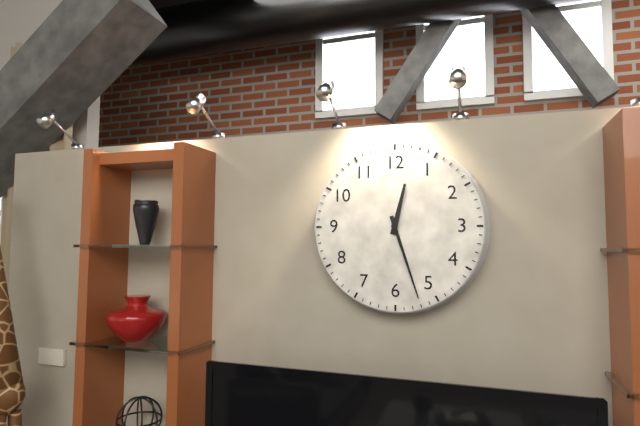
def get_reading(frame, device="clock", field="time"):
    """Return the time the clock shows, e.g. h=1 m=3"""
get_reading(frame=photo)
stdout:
h=12 m=27
